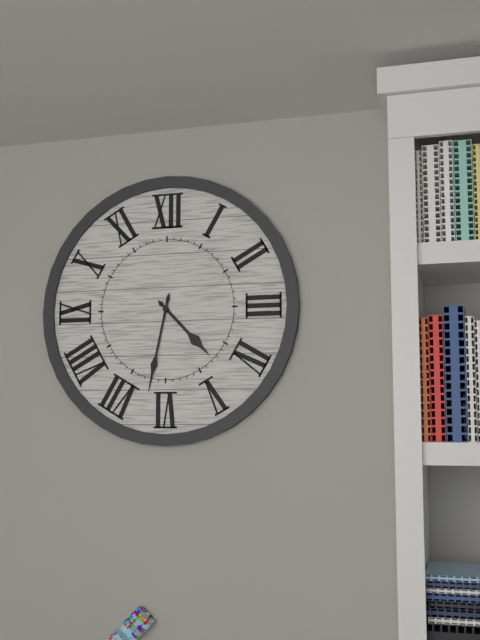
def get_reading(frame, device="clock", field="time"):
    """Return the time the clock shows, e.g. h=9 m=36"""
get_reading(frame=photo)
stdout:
h=4 m=32
